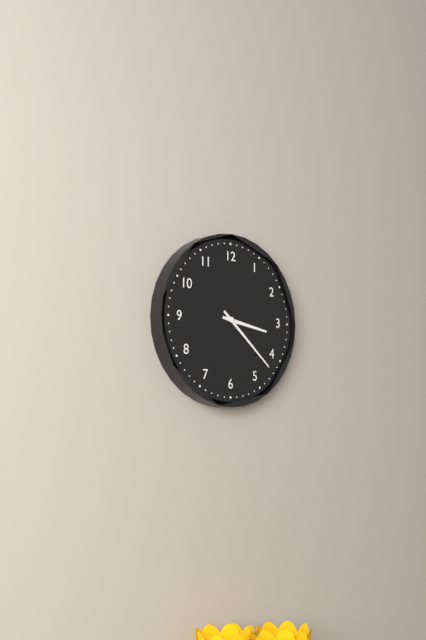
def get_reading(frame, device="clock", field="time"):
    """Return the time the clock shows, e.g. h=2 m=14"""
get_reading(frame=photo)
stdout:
h=3 m=22
